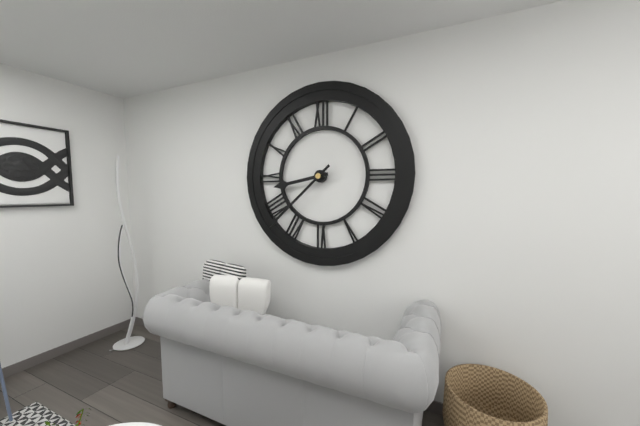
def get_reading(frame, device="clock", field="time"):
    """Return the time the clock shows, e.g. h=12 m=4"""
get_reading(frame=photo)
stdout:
h=8 m=38
